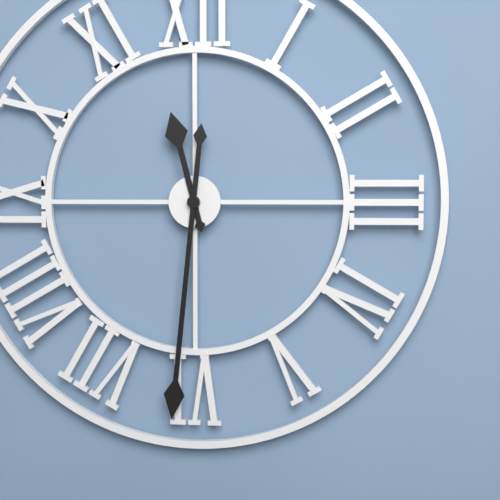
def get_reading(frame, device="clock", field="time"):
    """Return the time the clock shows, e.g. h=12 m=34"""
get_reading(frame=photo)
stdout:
h=11 m=31
